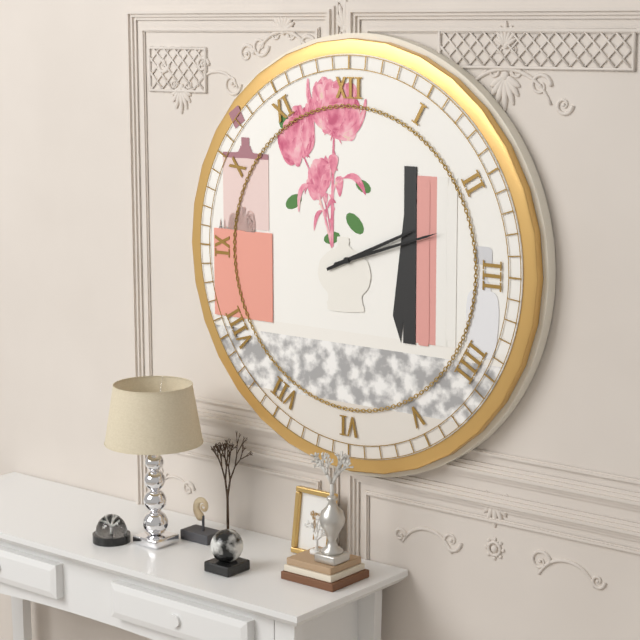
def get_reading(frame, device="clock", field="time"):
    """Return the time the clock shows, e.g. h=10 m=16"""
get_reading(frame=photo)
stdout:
h=2 m=12
